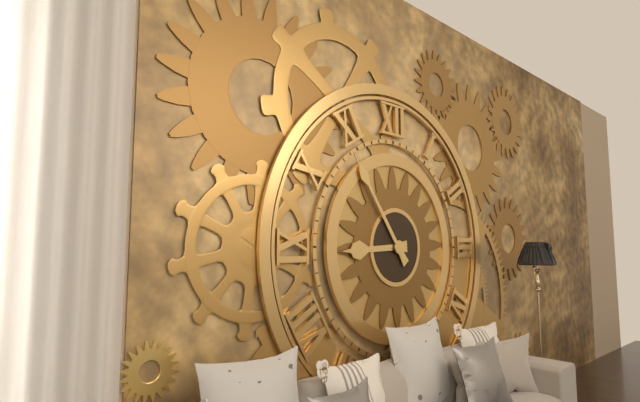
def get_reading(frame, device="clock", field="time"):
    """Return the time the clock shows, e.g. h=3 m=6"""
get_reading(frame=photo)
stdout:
h=8 m=54
